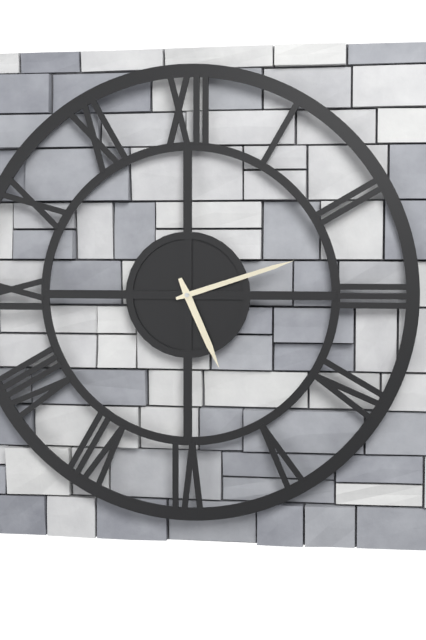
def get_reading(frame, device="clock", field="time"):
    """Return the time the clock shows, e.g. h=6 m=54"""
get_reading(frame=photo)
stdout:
h=5 m=12
